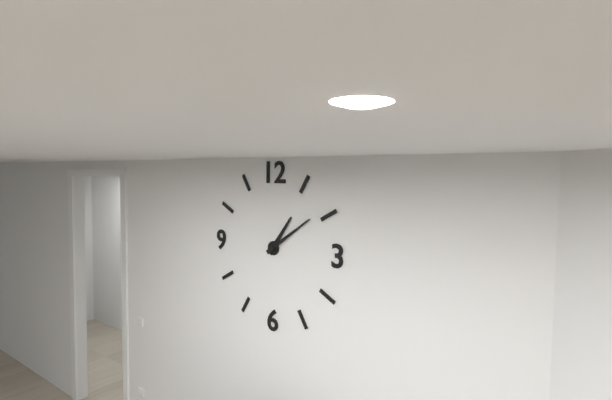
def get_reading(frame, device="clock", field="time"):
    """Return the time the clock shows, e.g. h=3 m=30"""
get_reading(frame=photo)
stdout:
h=1 m=9
